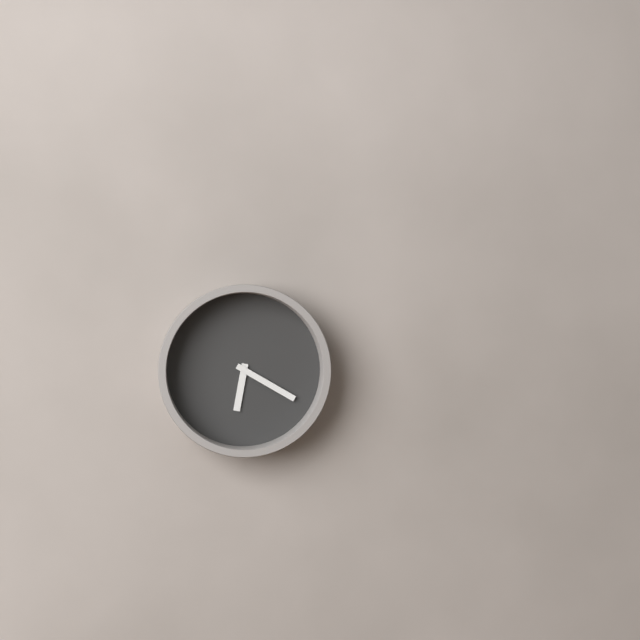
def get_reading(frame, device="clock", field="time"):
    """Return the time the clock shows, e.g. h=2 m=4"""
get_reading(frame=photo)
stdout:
h=6 m=20
